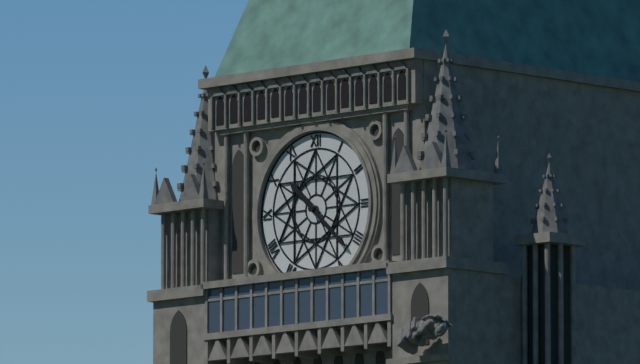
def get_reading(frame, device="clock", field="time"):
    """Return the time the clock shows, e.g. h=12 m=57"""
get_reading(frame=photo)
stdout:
h=10 m=22
